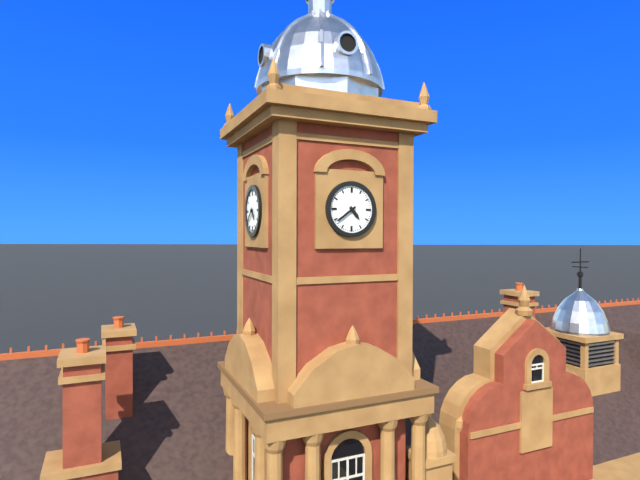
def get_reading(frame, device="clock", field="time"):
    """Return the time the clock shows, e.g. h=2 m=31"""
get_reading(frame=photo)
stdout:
h=4 m=39
